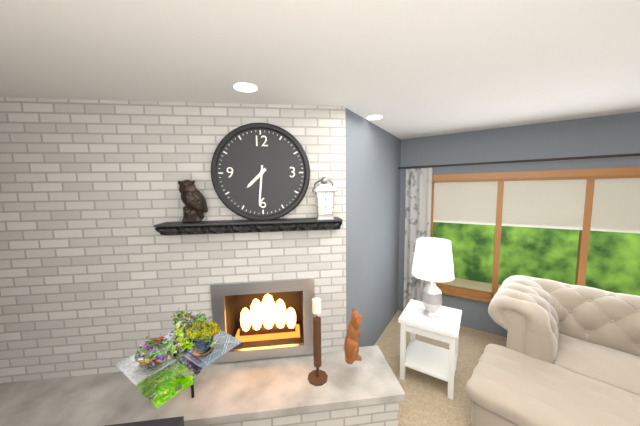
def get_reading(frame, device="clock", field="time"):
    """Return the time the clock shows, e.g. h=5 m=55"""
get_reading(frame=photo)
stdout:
h=7 m=31
